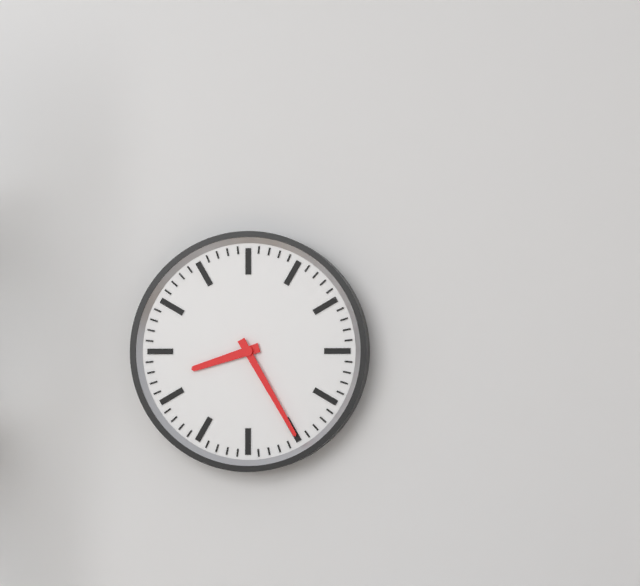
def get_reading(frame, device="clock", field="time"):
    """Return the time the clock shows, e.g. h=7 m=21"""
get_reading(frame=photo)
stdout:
h=8 m=25
